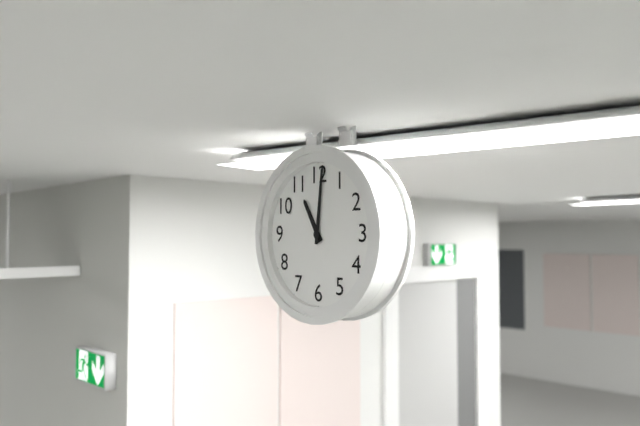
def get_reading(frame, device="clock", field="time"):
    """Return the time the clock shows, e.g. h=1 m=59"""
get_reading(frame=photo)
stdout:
h=11 m=1
